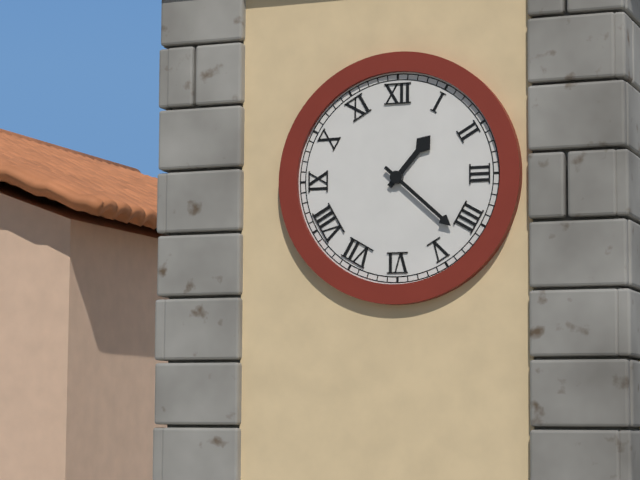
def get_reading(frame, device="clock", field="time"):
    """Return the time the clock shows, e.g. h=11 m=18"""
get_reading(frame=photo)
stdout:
h=1 m=22
